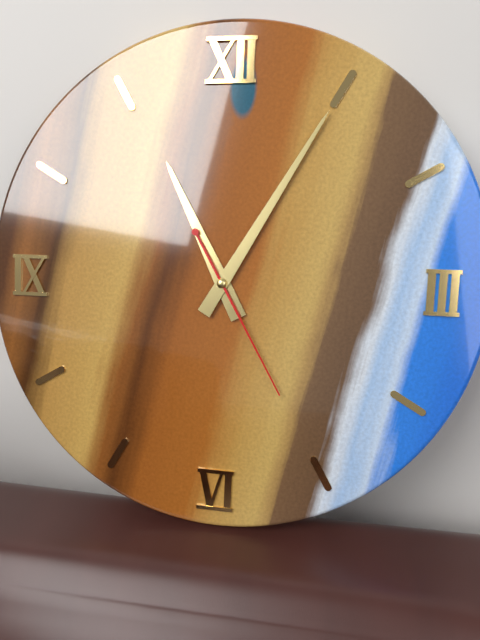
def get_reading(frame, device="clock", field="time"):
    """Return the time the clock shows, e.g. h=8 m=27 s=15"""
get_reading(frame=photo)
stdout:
h=11 m=5 s=25
